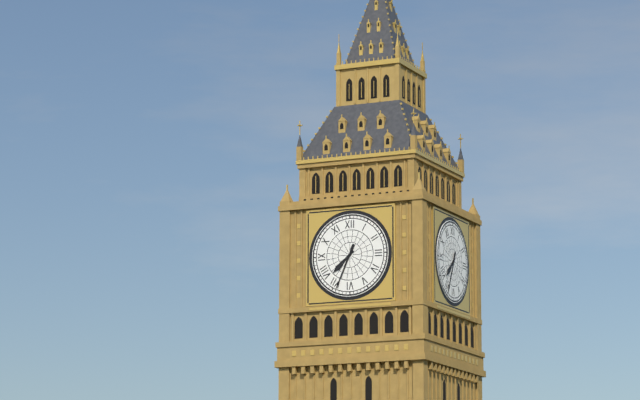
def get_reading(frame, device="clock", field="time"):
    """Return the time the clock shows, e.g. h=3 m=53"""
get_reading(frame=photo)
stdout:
h=7 m=34
